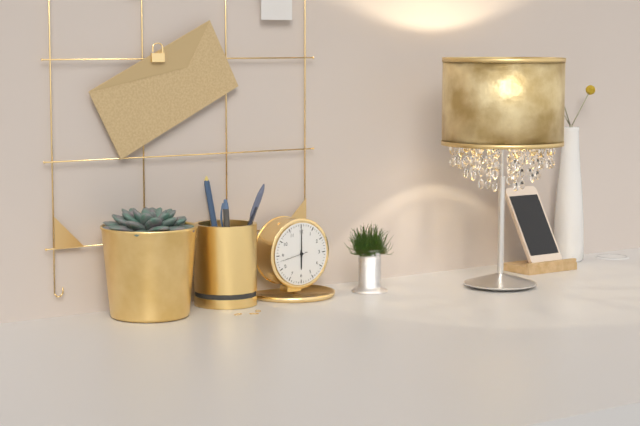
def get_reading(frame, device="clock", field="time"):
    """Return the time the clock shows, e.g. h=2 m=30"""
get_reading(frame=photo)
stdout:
h=6 m=0
